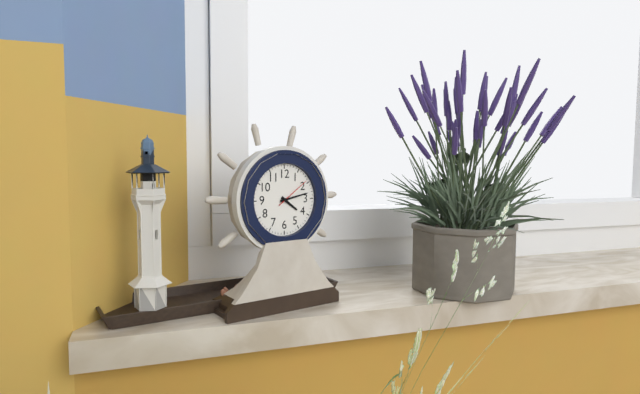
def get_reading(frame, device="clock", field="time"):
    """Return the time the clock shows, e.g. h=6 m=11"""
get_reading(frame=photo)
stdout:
h=4 m=13
